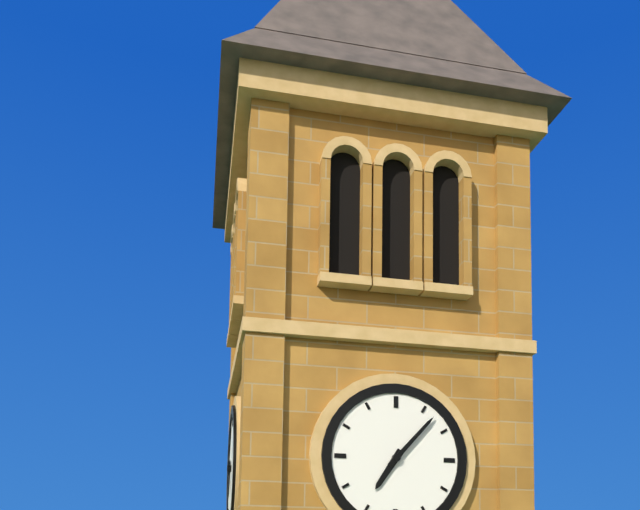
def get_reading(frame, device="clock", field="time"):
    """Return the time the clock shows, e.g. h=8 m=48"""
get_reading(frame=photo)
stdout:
h=7 m=7
